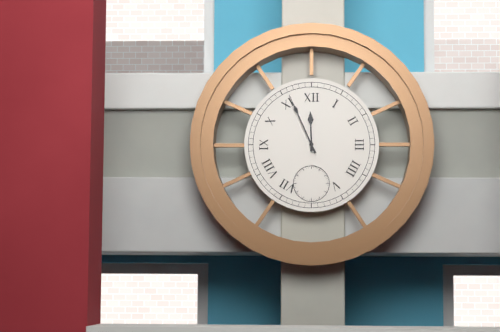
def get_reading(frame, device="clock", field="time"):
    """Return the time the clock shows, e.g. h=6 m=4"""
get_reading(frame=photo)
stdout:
h=11 m=56
